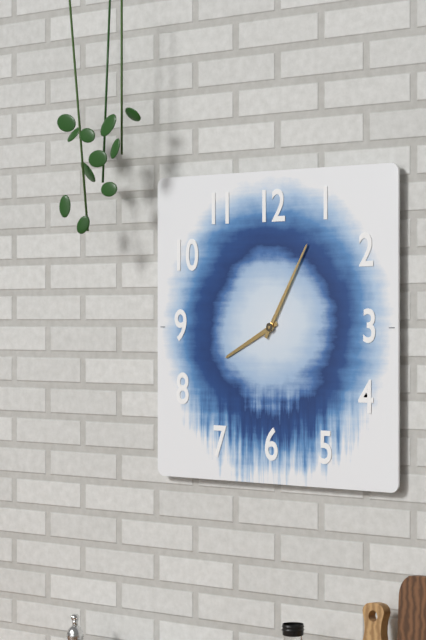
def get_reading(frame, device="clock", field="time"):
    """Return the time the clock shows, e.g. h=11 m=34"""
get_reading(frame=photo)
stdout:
h=8 m=5
